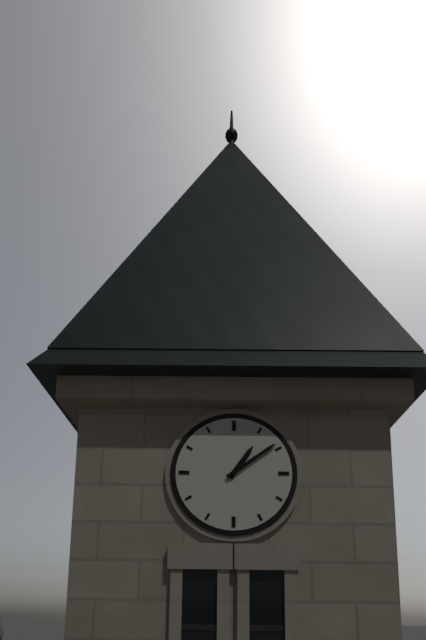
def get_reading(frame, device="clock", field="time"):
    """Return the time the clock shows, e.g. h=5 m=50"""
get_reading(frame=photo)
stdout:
h=1 m=9
